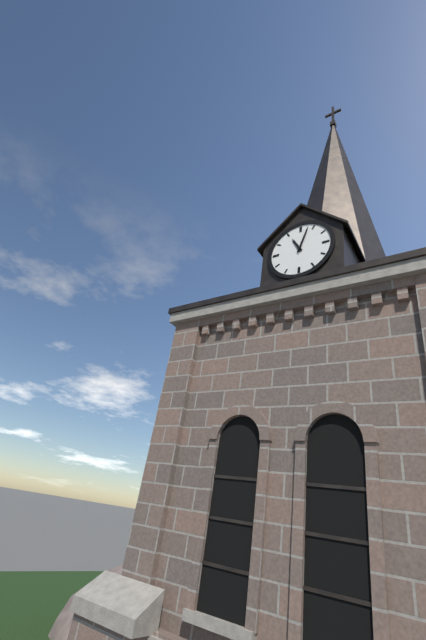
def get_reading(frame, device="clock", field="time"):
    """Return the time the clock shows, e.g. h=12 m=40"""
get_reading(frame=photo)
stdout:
h=11 m=3
